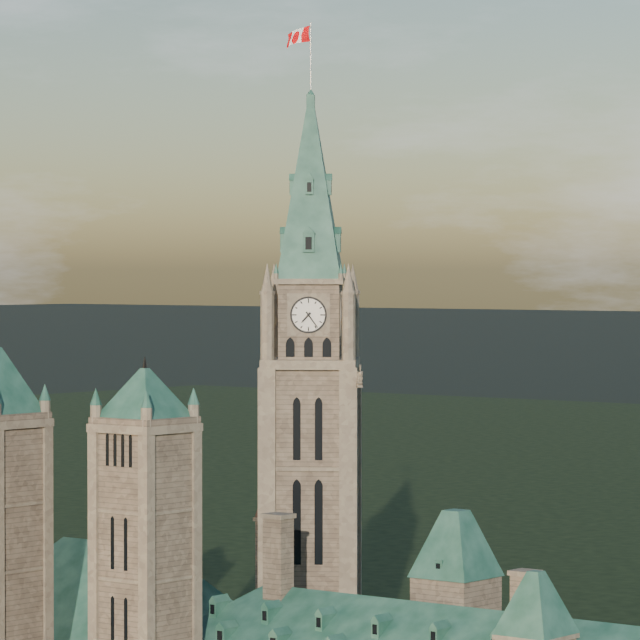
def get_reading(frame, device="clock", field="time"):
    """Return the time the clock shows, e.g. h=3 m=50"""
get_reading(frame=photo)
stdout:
h=7 m=24
